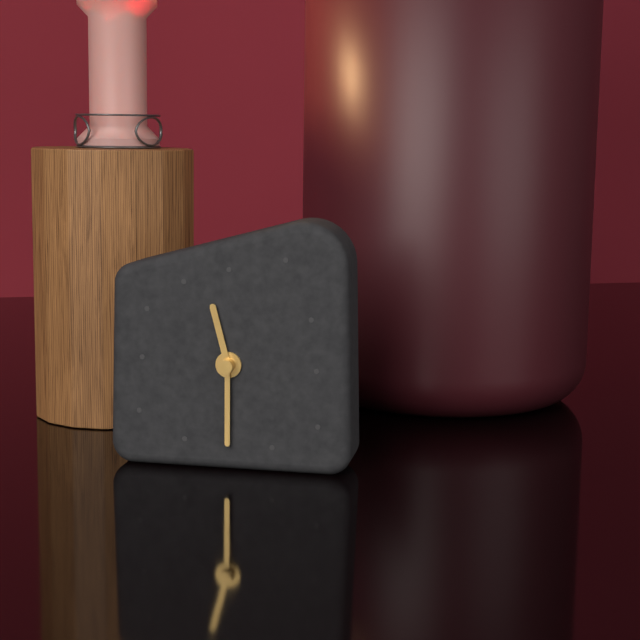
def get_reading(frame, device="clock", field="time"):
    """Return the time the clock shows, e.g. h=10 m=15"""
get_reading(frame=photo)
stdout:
h=11 m=30
